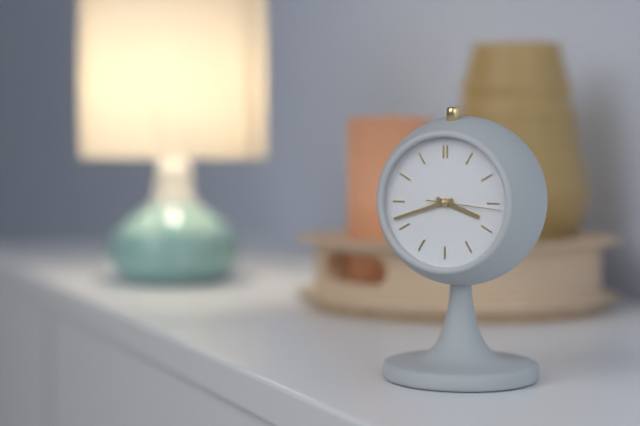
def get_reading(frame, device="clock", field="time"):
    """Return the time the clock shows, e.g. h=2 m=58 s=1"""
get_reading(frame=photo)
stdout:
h=3 m=42 s=16
